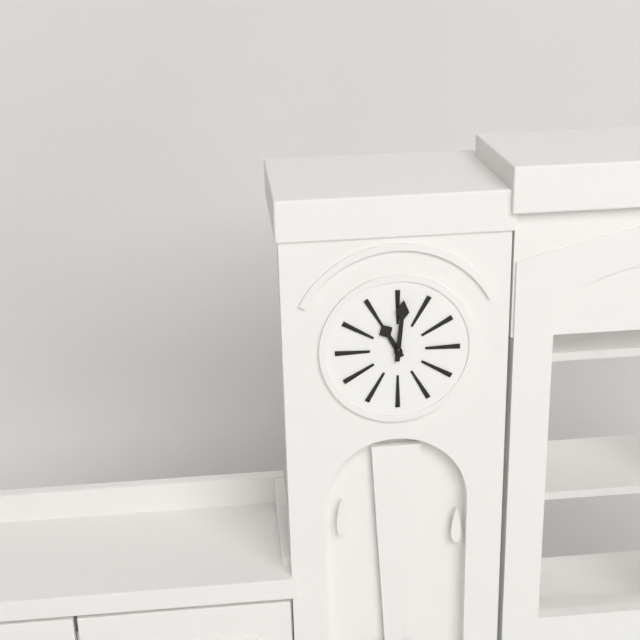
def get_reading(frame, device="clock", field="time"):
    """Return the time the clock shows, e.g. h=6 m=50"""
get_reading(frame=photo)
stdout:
h=11 m=1
